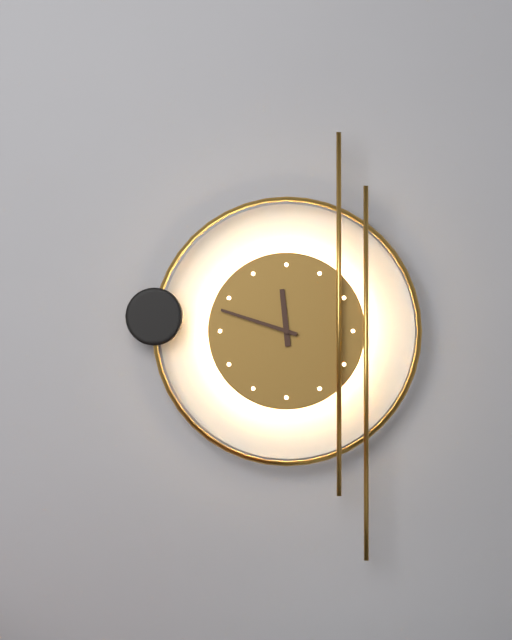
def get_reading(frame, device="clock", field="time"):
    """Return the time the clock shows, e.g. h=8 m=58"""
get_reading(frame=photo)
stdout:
h=11 m=48
